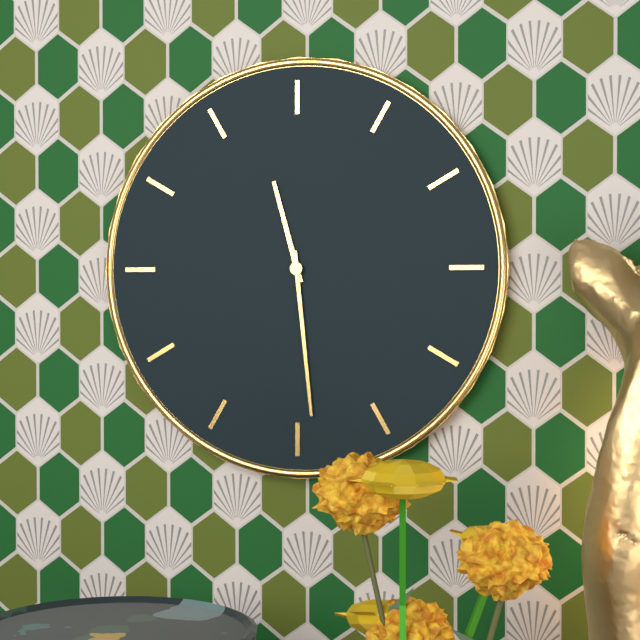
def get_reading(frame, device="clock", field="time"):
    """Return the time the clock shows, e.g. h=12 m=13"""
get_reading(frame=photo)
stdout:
h=11 m=29
